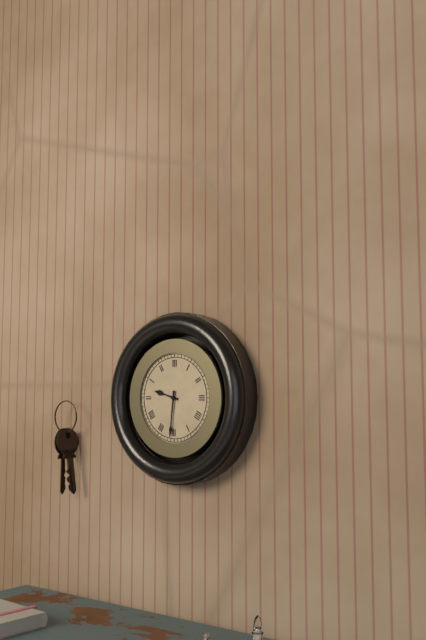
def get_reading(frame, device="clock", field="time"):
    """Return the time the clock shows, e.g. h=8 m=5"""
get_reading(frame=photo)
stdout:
h=9 m=31
